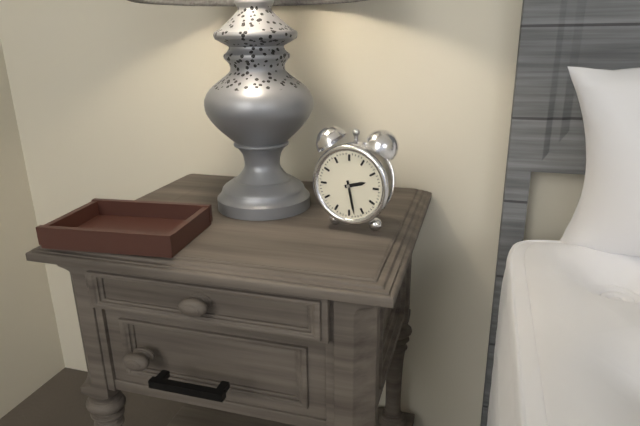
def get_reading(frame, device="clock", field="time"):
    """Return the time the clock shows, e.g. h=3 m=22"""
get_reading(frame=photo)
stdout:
h=2 m=28
